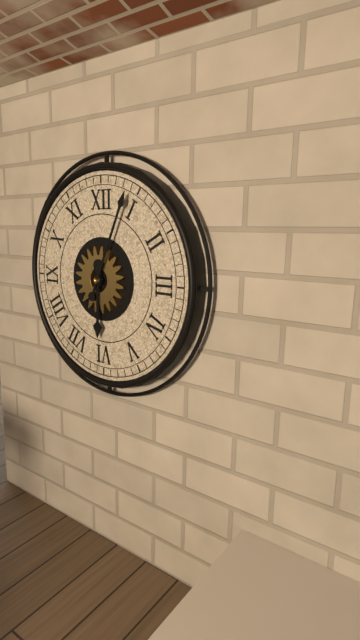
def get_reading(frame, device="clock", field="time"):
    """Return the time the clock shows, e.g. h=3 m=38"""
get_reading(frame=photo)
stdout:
h=6 m=4
